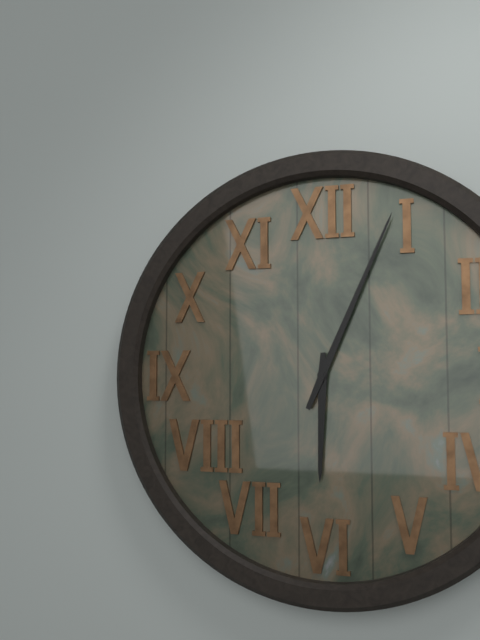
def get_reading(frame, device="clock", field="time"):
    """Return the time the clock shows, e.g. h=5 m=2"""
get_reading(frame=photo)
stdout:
h=6 m=4
